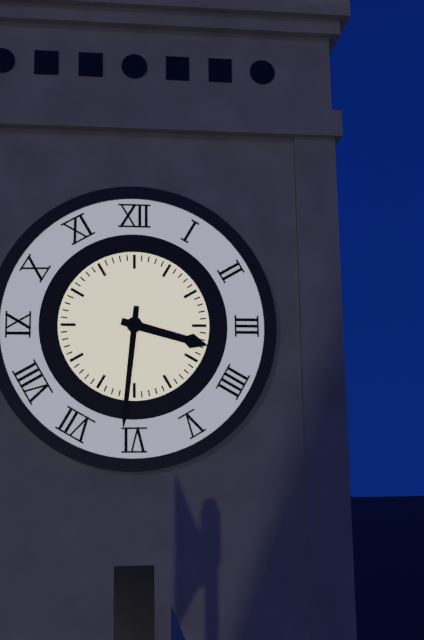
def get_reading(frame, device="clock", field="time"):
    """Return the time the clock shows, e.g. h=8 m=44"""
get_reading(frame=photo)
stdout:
h=3 m=31
